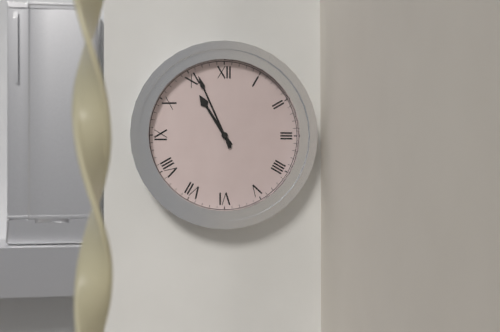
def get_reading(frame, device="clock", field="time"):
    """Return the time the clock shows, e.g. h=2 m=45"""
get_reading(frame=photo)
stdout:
h=10 m=56
